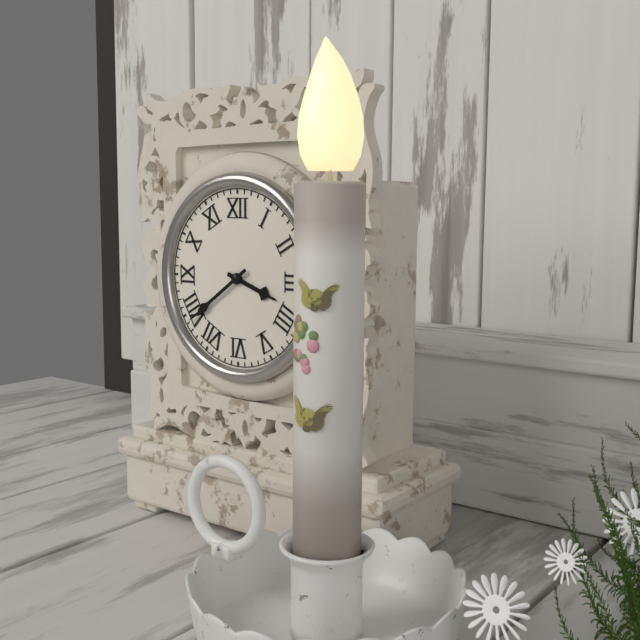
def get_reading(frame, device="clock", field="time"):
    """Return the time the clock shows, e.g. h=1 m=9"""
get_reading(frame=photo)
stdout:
h=3 m=39
